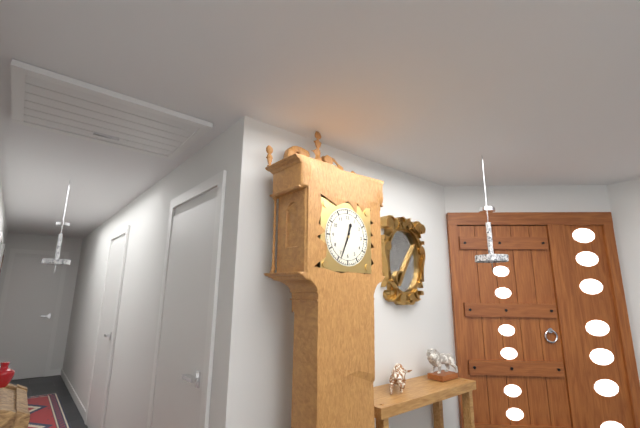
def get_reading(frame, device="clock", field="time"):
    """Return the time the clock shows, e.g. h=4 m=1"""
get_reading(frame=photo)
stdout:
h=12 m=34
